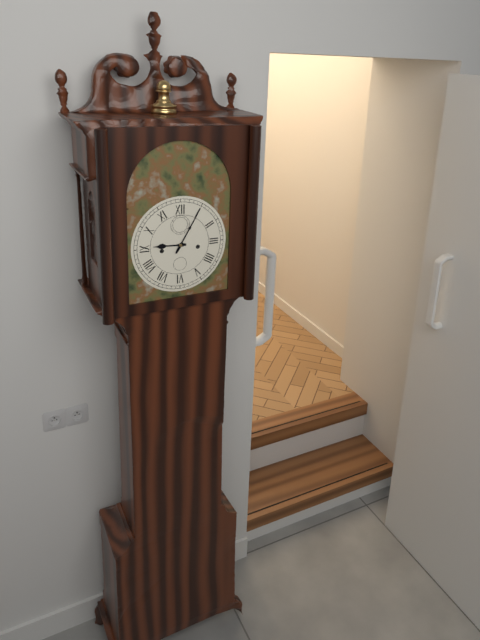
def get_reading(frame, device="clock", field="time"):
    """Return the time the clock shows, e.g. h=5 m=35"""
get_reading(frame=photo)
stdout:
h=9 m=5
